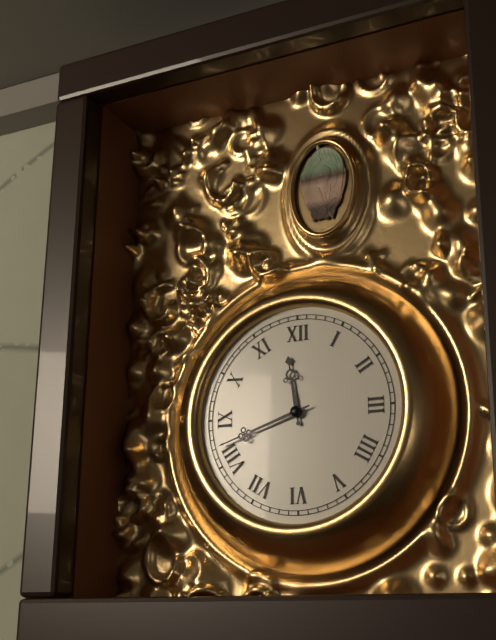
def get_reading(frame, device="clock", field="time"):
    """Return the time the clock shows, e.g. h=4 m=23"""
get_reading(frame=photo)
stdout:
h=11 m=42
